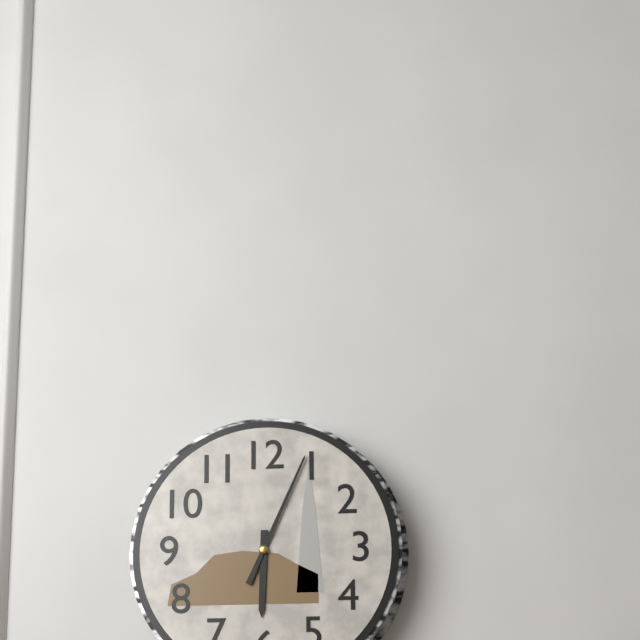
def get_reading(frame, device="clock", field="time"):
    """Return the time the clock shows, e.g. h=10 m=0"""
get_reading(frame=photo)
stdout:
h=6 m=4
